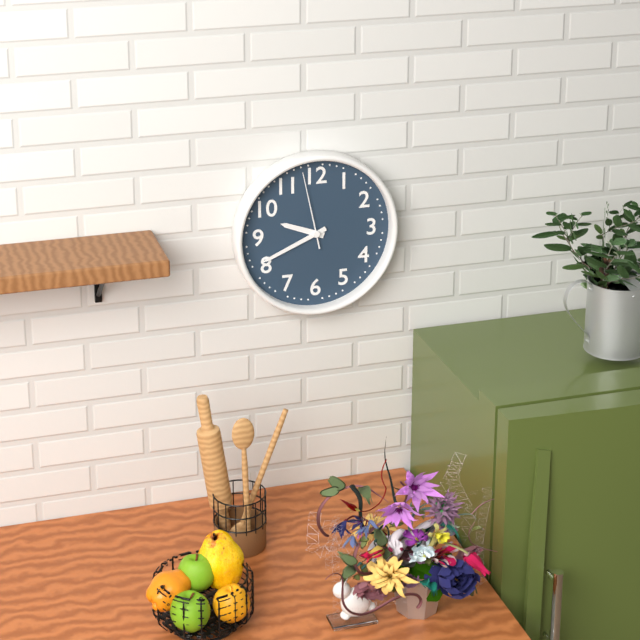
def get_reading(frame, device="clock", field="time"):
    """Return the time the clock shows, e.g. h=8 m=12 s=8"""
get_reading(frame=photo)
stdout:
h=9 m=41 s=58
